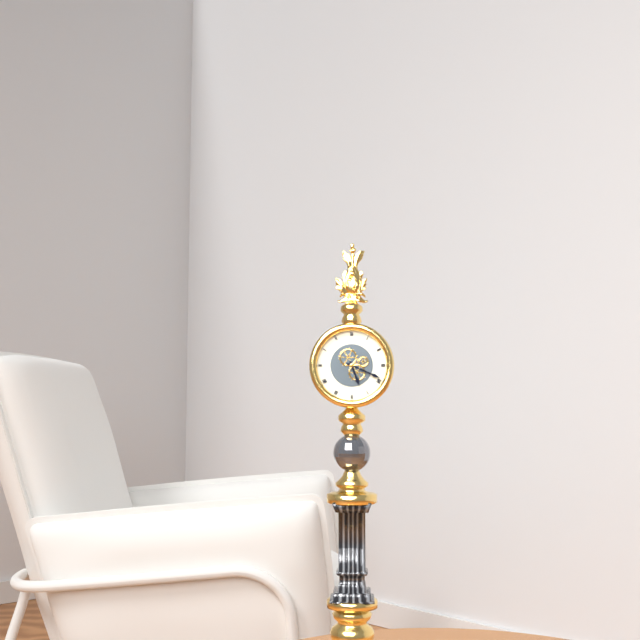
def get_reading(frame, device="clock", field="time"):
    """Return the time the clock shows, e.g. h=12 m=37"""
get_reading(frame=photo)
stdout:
h=5 m=19
